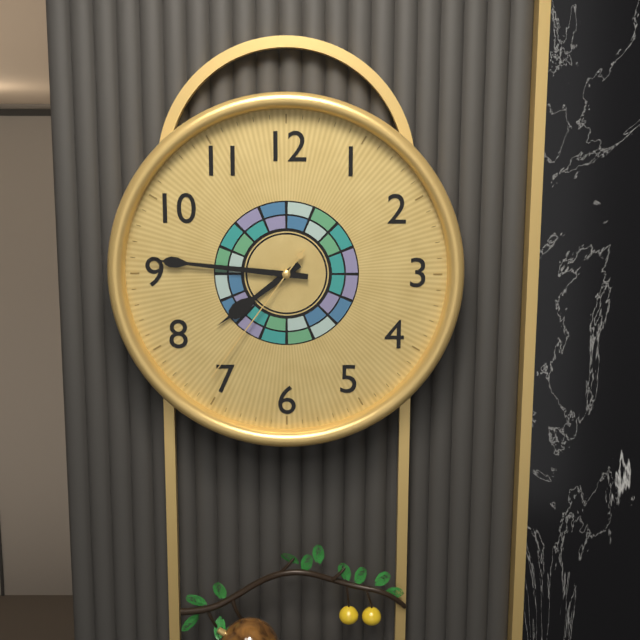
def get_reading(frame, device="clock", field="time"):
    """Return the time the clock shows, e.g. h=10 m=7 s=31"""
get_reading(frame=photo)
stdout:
h=7 m=46 s=36
